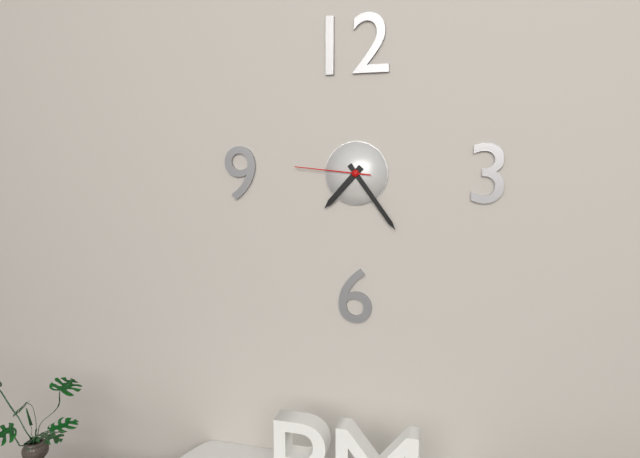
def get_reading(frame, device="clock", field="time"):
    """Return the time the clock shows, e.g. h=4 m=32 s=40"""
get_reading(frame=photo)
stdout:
h=7 m=24 s=46
